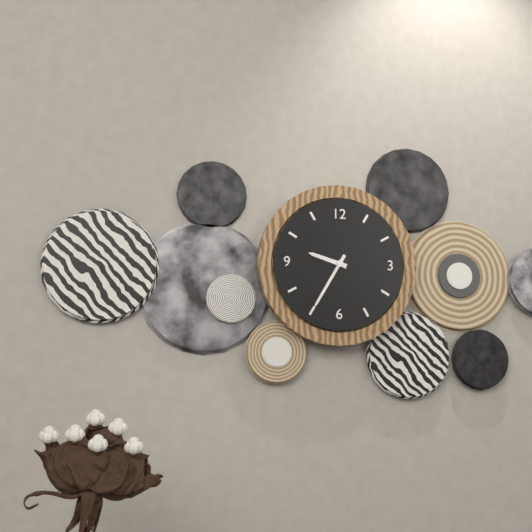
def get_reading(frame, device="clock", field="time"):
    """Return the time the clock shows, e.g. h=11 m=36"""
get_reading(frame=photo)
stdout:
h=9 m=35
